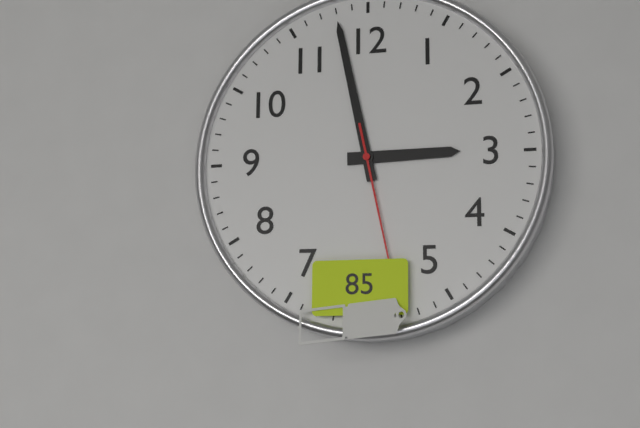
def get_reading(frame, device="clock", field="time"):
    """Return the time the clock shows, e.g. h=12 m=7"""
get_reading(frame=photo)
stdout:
h=2 m=58
